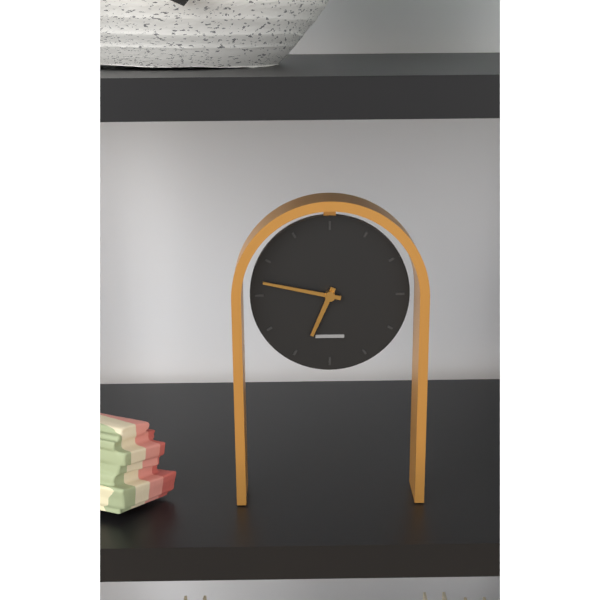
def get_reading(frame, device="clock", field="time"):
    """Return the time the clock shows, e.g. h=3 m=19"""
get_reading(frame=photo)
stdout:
h=6 m=47
